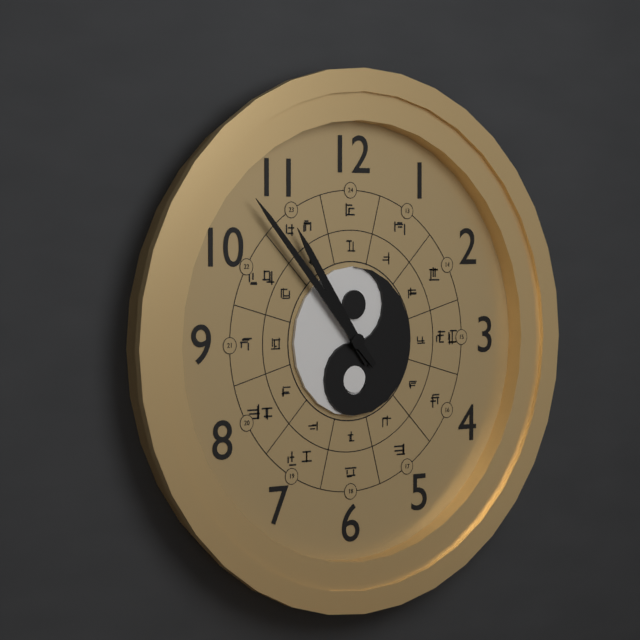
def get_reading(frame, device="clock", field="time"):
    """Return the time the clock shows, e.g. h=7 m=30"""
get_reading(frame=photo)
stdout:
h=10 m=53
